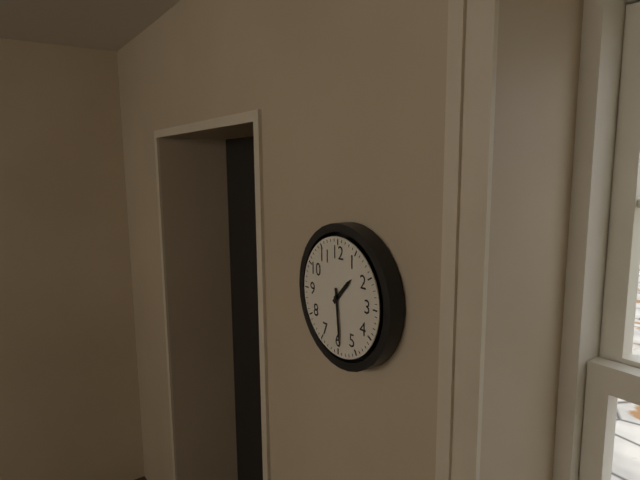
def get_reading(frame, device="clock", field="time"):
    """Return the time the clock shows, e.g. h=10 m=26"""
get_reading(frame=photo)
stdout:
h=1 m=29
